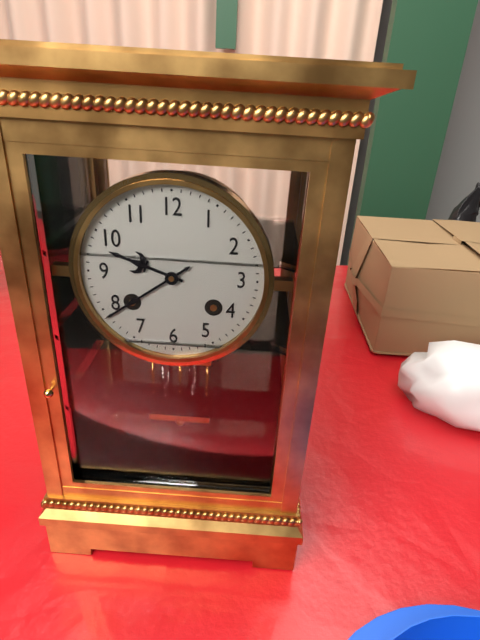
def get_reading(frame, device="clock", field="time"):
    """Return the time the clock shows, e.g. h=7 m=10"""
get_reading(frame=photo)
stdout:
h=9 m=39
